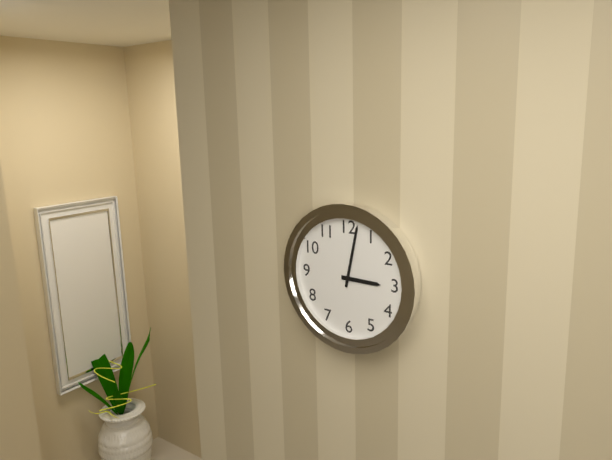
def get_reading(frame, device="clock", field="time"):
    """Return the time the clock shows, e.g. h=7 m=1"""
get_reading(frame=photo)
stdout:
h=3 m=2
